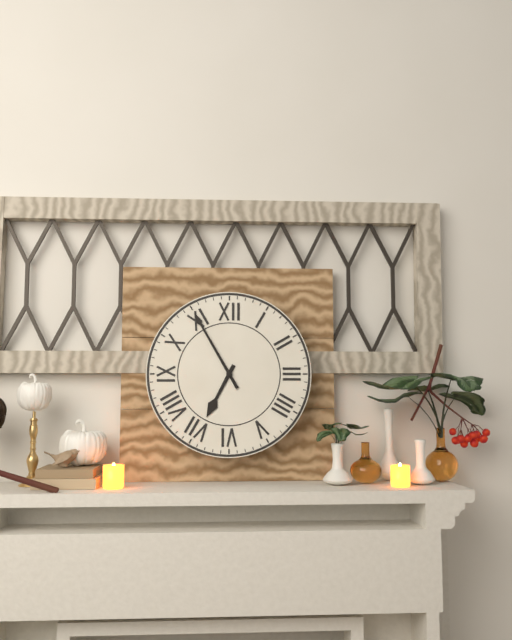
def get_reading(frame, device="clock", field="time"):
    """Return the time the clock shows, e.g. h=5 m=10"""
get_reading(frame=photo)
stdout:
h=6 m=55
